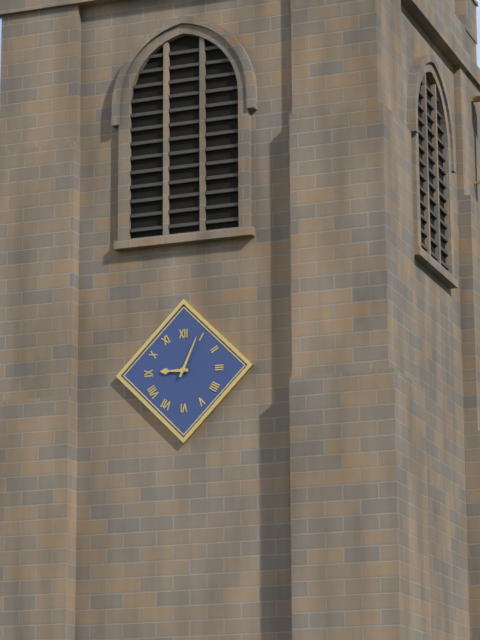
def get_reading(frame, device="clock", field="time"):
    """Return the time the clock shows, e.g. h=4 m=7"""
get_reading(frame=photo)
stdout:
h=9 m=4
